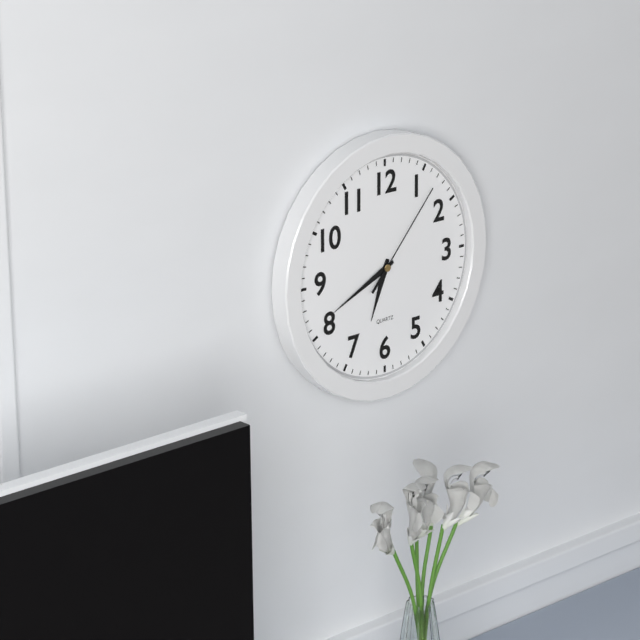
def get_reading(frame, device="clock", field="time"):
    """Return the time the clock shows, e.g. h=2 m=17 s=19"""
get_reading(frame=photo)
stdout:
h=6 m=41 s=7
